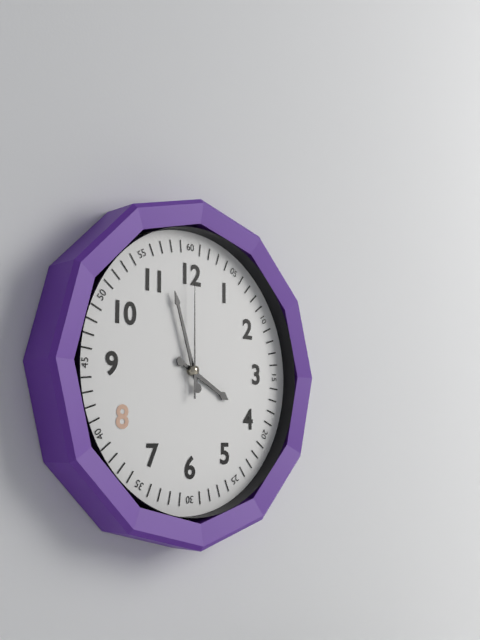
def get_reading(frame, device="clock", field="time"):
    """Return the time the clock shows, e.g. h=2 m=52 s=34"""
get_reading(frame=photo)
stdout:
h=3 m=57 s=0
